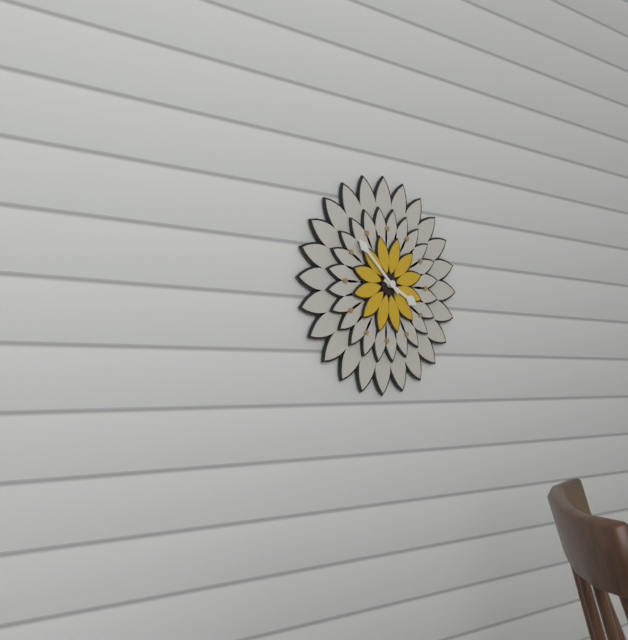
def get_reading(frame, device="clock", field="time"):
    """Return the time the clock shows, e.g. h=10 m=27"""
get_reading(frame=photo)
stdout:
h=3 m=52
